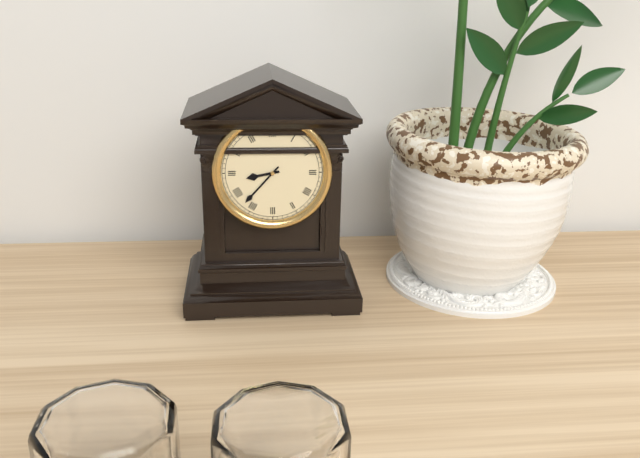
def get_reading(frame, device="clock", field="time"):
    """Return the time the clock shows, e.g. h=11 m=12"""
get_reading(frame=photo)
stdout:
h=8 m=37
